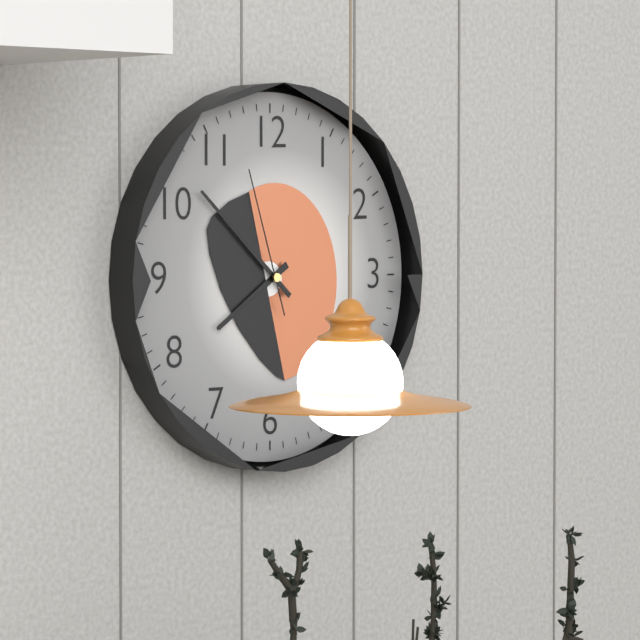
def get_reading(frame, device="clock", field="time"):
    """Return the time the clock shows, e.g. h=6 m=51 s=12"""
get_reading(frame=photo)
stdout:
h=7 m=52 s=57
